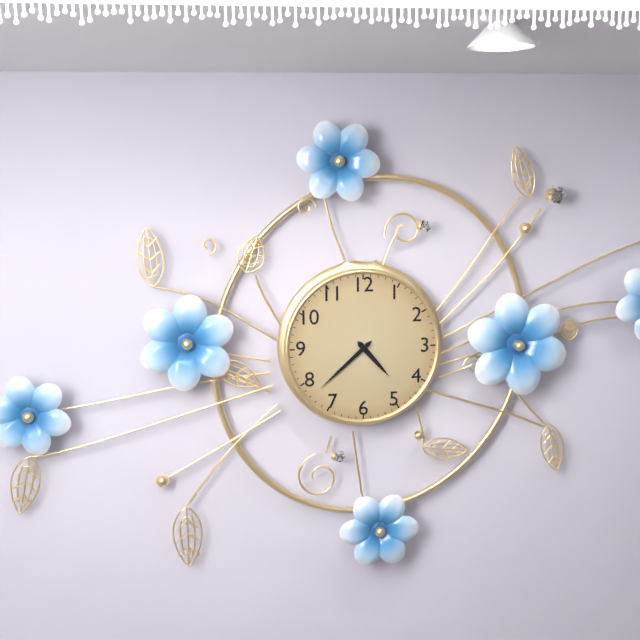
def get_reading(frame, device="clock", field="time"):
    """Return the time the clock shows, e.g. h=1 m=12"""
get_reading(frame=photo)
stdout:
h=4 m=38
